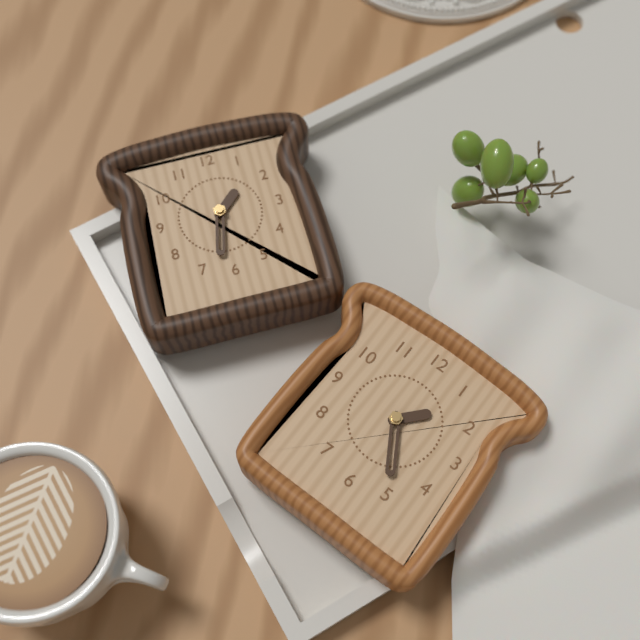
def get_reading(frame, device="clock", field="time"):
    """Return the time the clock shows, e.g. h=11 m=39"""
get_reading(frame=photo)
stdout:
h=1 m=25
